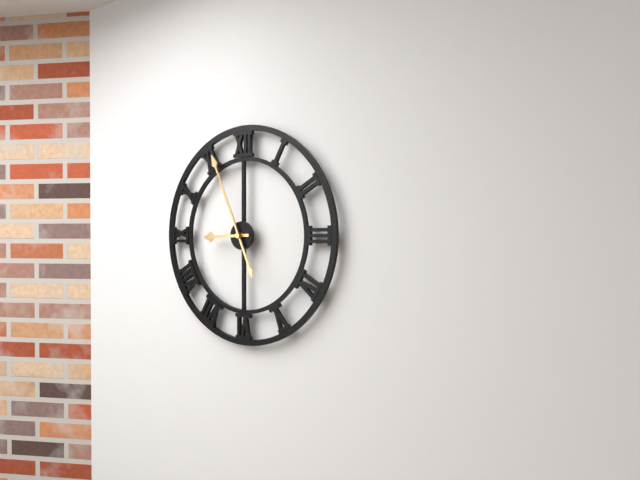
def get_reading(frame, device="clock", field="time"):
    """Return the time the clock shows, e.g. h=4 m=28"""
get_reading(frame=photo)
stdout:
h=8 m=56
